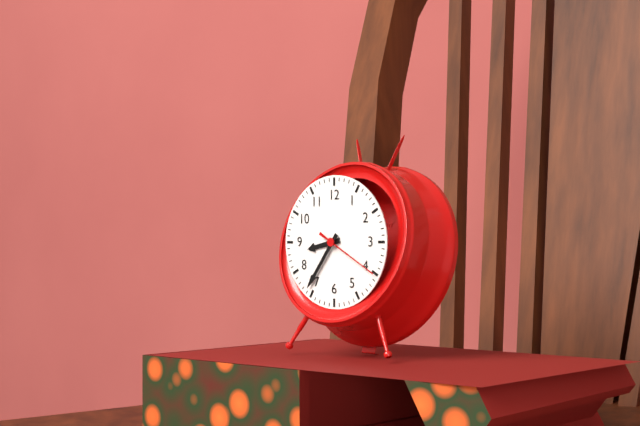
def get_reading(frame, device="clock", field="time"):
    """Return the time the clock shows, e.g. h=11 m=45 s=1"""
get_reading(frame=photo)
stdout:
h=8 m=36 s=20
